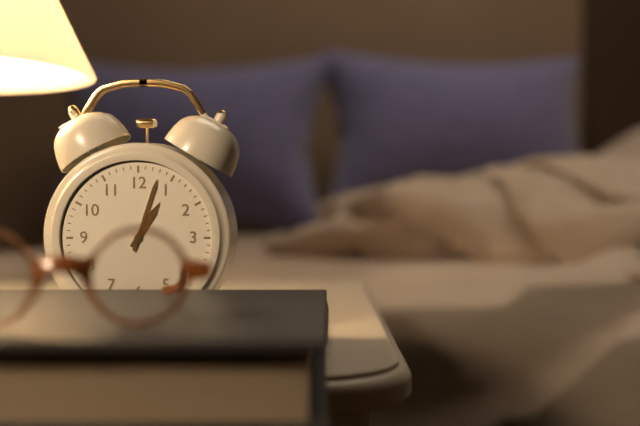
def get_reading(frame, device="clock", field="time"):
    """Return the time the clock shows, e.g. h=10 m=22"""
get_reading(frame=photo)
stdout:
h=1 m=3
